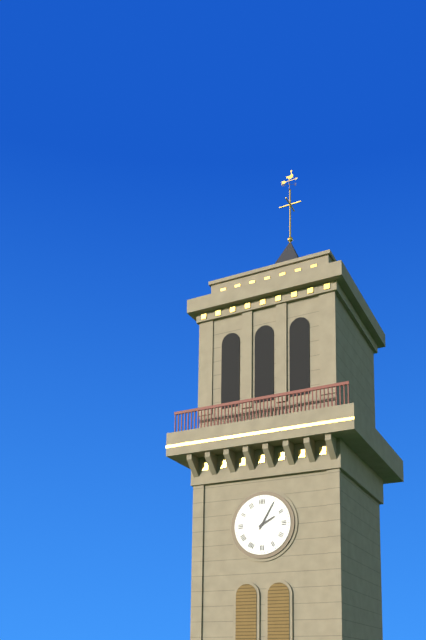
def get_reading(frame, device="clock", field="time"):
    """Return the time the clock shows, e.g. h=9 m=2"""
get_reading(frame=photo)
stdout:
h=2 m=5
